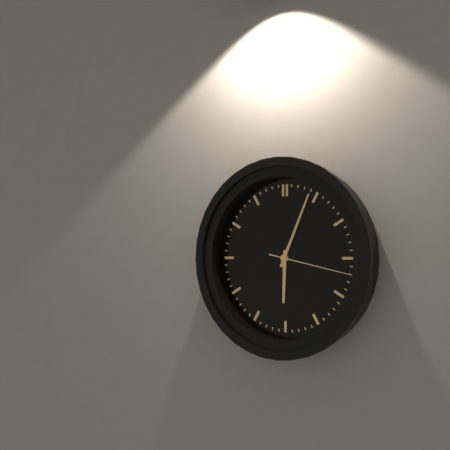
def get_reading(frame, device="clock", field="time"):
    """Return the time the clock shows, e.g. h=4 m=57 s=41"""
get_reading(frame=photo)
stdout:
h=6 m=4 s=17
